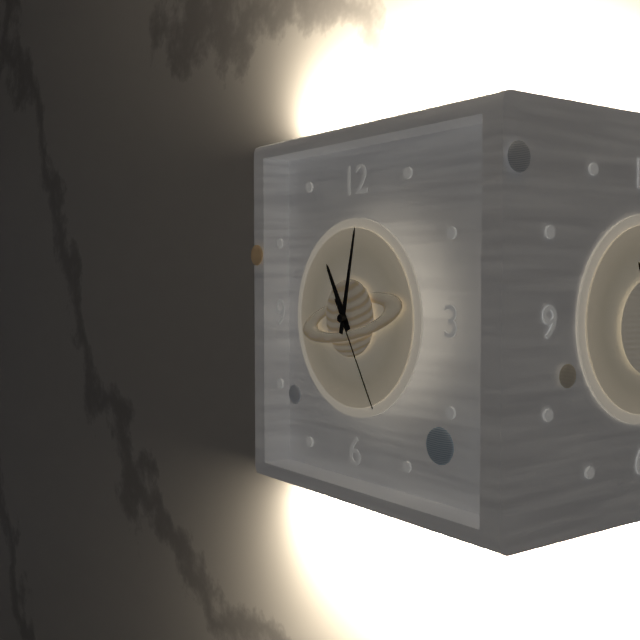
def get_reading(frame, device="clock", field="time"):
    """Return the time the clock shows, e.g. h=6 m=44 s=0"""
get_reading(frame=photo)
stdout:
h=11 m=2 s=25
